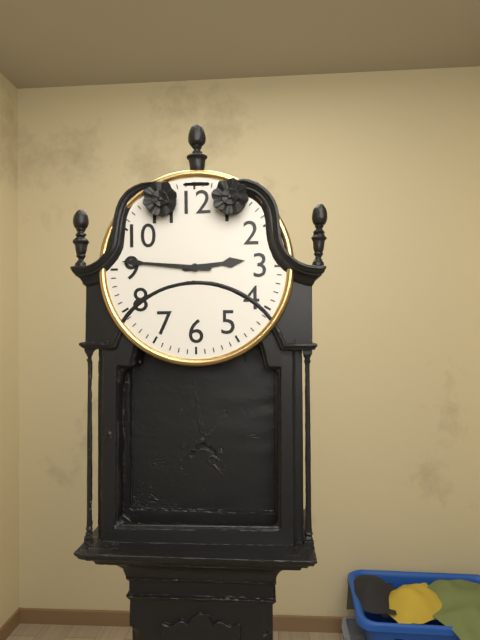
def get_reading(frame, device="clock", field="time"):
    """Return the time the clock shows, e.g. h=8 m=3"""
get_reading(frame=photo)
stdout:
h=2 m=46
